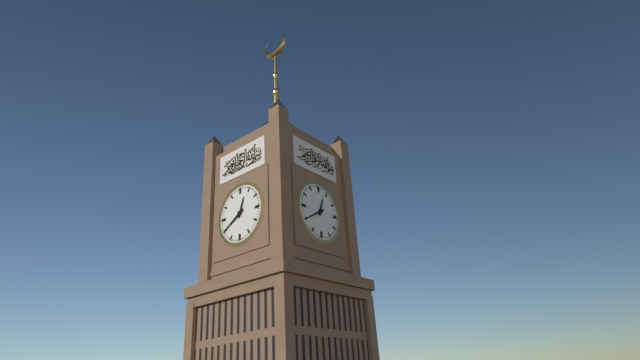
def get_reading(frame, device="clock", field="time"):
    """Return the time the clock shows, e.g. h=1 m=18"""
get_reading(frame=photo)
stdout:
h=12 m=40
